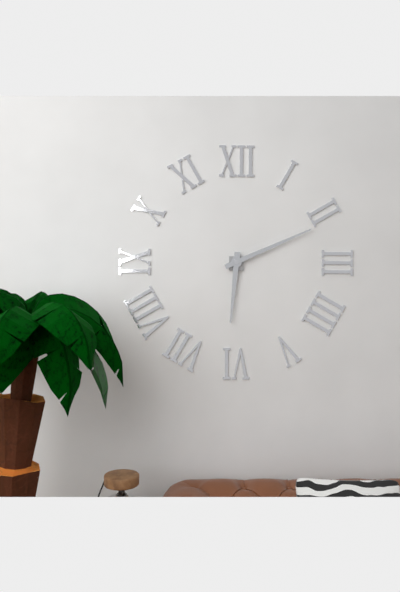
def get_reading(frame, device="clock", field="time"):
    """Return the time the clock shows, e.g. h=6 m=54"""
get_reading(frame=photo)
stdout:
h=6 m=11
